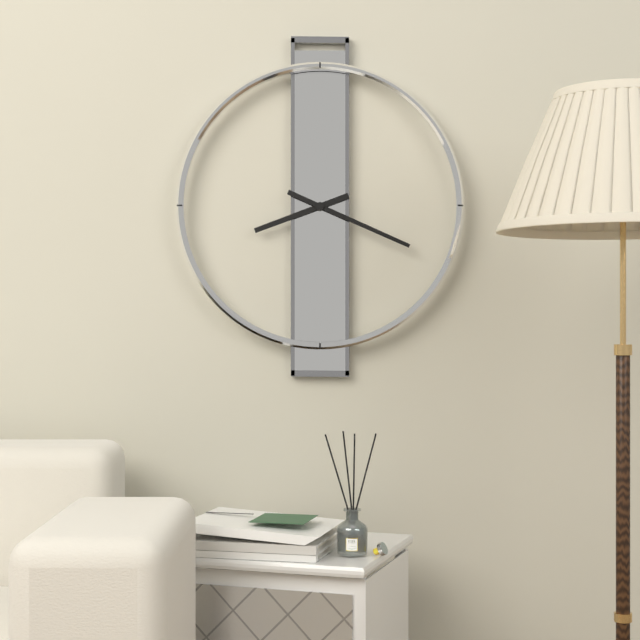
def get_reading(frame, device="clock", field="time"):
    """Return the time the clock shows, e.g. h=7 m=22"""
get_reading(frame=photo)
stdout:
h=8 m=19
